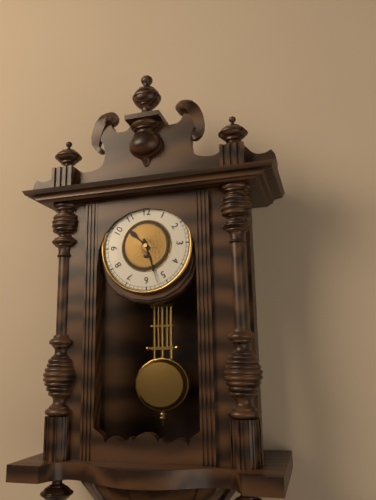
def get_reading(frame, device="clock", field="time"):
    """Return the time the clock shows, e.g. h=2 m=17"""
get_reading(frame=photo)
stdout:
h=10 m=27
